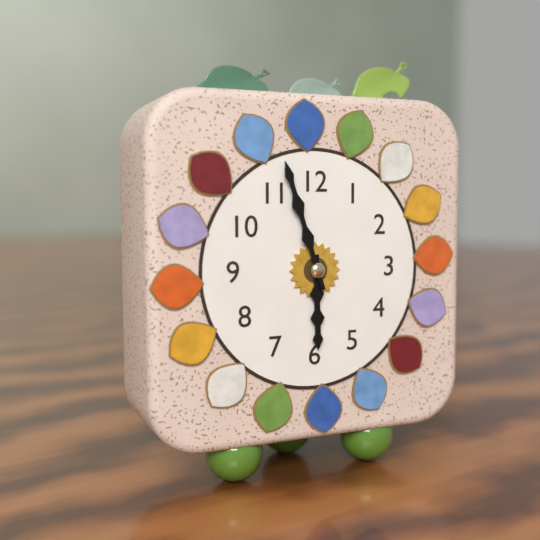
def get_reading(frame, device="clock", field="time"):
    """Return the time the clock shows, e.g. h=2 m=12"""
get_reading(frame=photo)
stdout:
h=5 m=57
